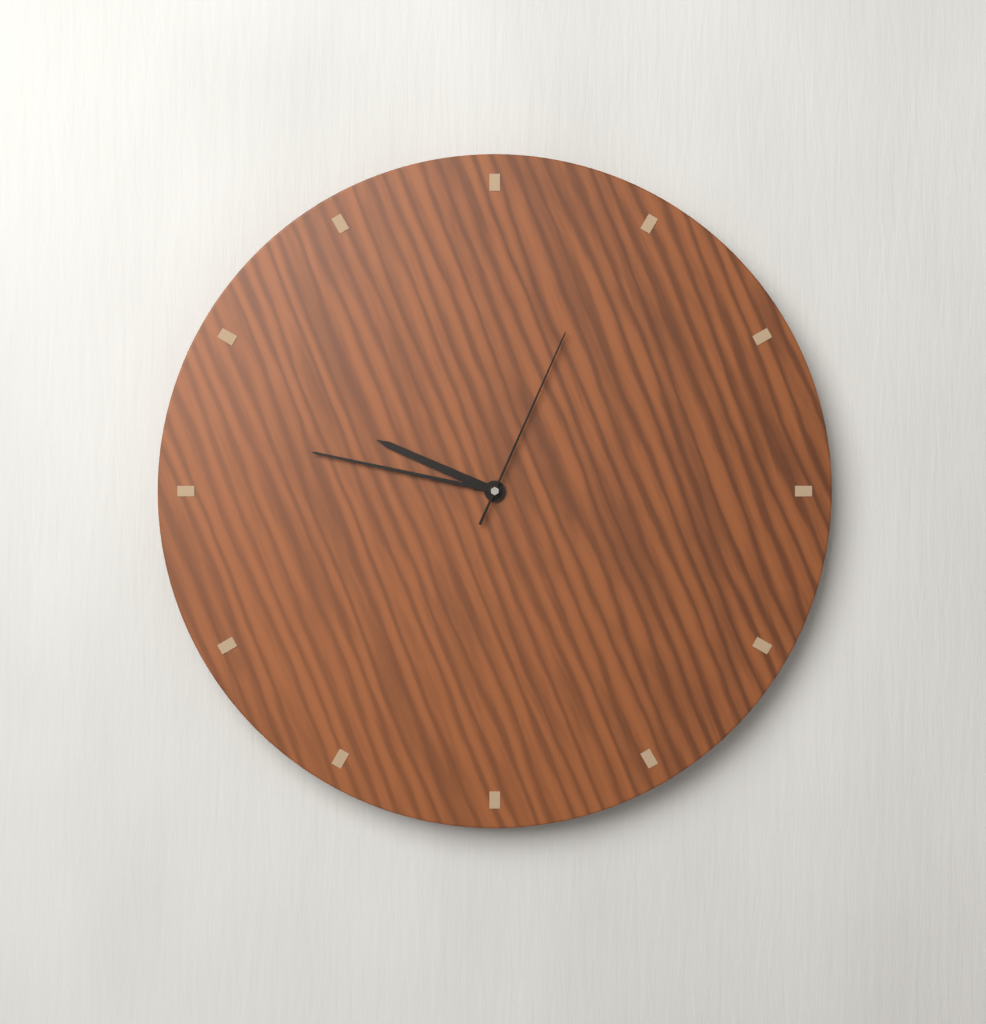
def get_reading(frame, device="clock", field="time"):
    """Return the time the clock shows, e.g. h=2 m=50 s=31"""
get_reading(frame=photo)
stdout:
h=9 m=47 s=4
